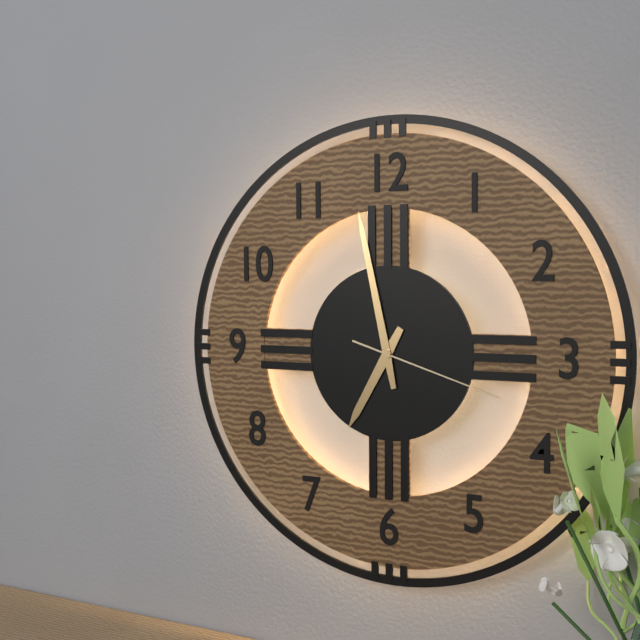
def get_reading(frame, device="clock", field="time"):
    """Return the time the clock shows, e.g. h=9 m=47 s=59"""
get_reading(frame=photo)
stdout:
h=6 m=58 s=18
